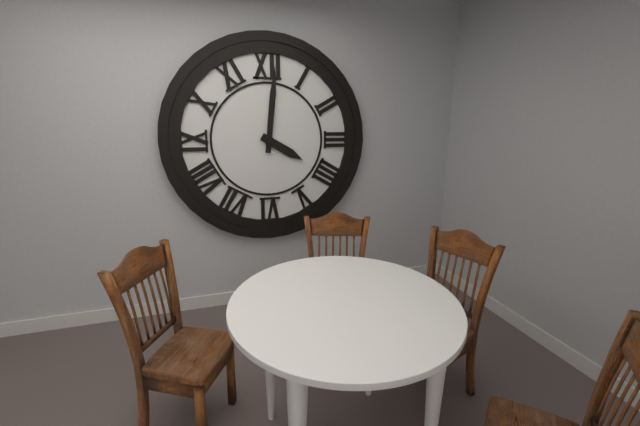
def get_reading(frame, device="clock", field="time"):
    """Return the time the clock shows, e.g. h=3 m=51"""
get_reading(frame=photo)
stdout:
h=4 m=1
